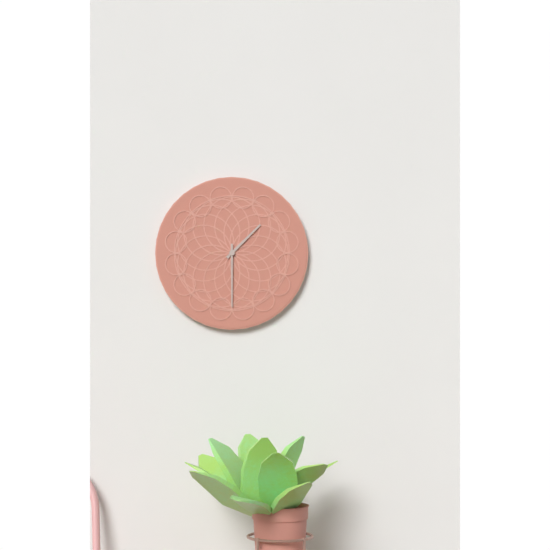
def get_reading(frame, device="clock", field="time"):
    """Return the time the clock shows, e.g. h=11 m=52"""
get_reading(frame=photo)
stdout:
h=1 m=30
